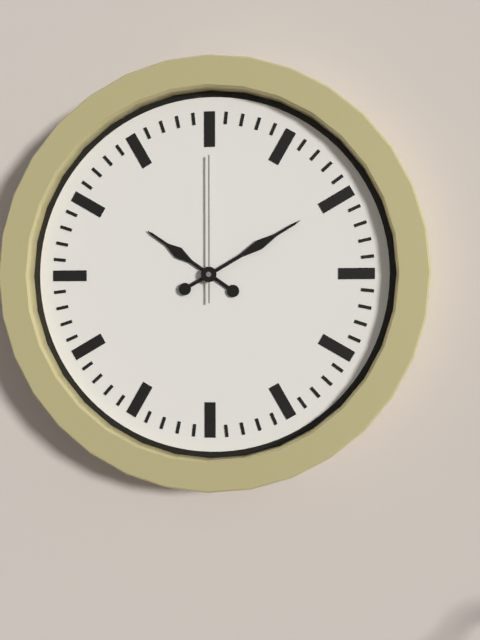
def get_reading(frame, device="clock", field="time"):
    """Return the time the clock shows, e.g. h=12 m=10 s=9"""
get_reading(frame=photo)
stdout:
h=10 m=10 s=0
